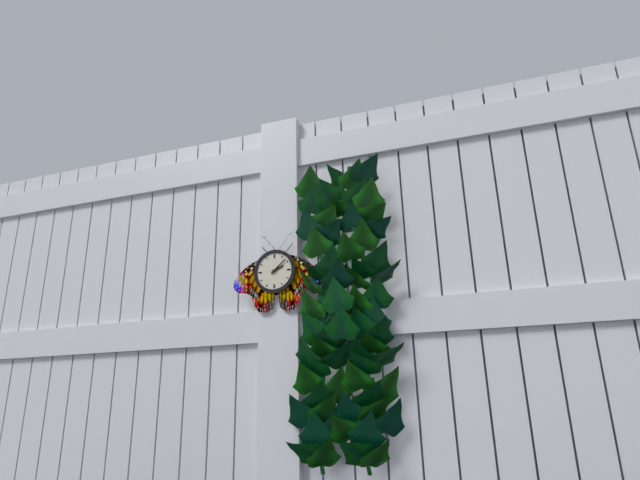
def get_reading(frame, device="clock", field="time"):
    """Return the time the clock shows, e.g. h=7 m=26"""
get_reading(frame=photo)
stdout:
h=2 m=8
